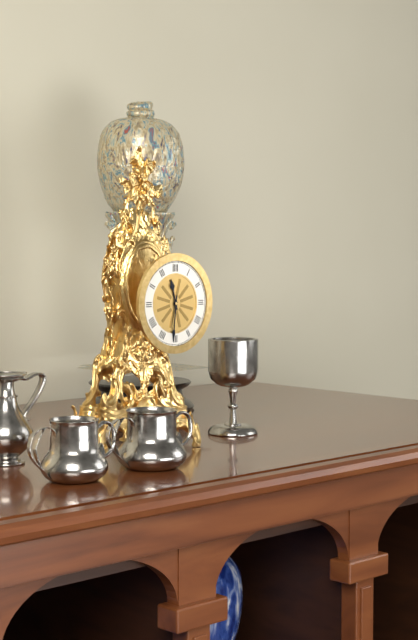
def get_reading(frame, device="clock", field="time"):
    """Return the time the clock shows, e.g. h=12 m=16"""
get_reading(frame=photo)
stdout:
h=11 m=31
